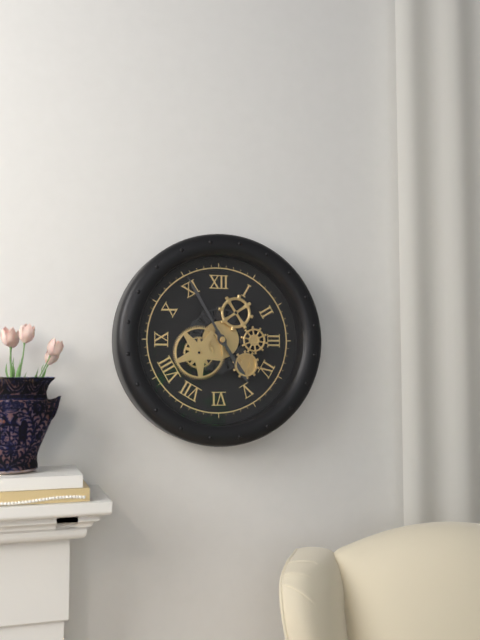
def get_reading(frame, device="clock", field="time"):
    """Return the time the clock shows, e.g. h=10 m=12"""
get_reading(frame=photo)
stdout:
h=4 m=55
